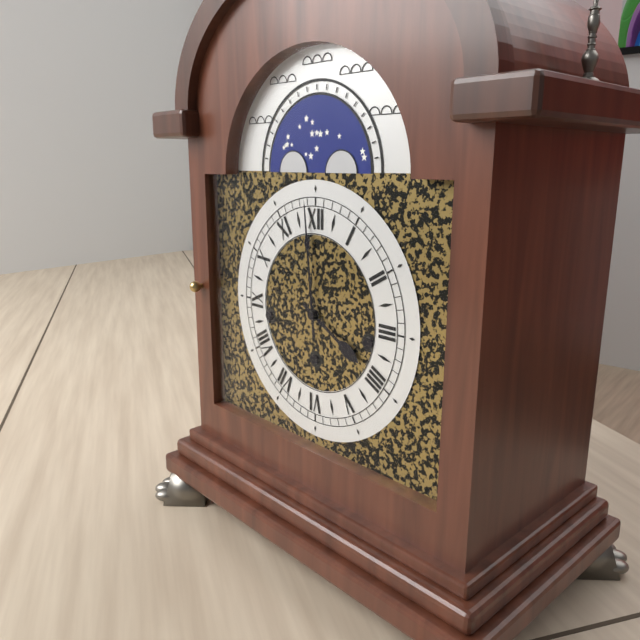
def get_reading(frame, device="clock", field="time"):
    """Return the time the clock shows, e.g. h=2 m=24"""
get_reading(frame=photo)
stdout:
h=3 m=59
